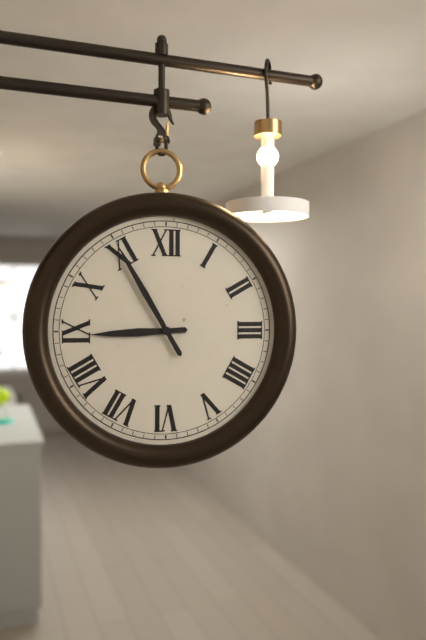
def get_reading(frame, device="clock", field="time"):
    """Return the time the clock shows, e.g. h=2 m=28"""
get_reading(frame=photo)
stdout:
h=8 m=55
